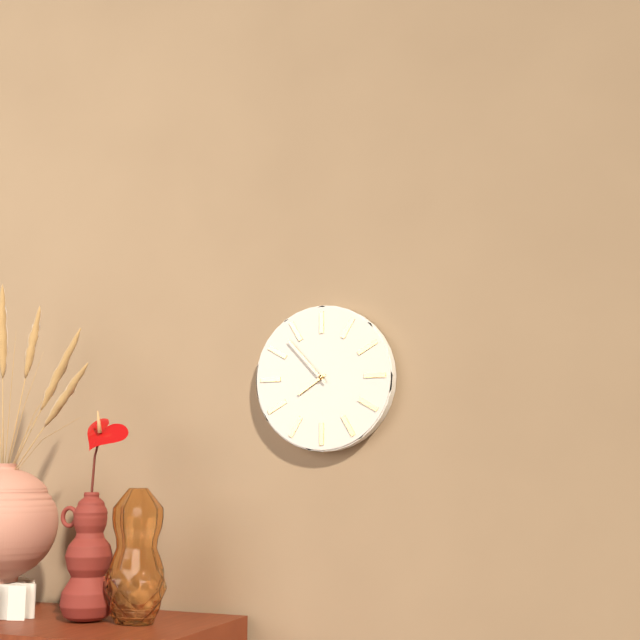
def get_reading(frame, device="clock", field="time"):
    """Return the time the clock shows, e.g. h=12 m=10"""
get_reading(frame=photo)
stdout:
h=7 m=53
